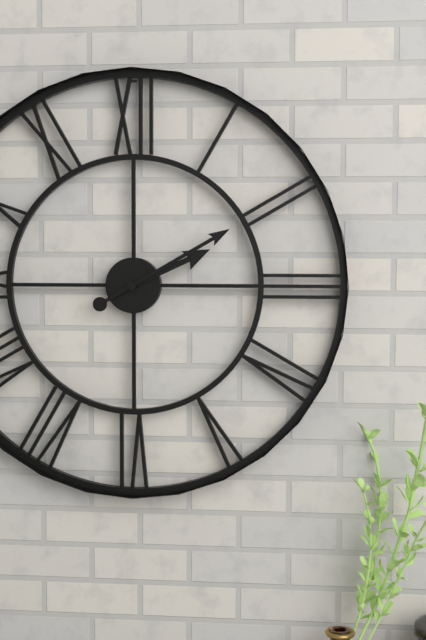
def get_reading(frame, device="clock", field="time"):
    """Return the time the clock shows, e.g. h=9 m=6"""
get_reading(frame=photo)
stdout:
h=2 m=10
